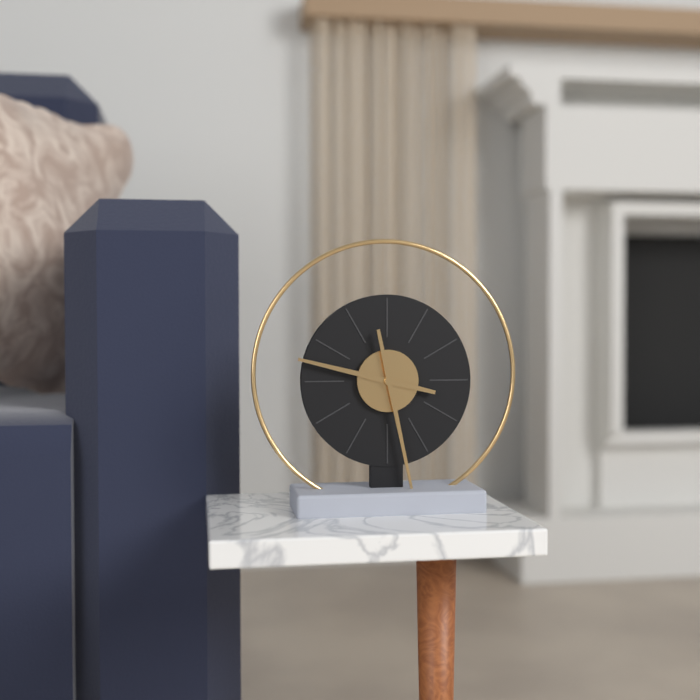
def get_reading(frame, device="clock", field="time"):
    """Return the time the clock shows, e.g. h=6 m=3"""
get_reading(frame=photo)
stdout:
h=9 m=28
